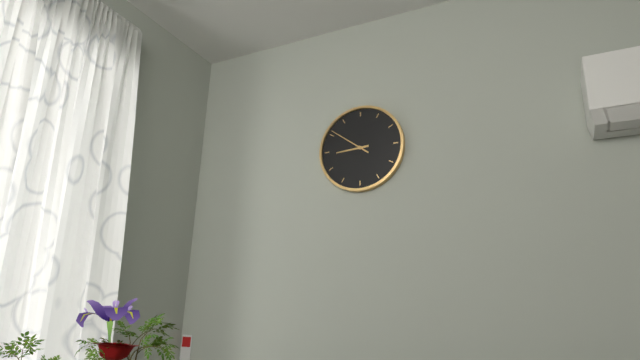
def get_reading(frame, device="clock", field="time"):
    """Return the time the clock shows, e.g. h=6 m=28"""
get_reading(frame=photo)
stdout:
h=8 m=51
